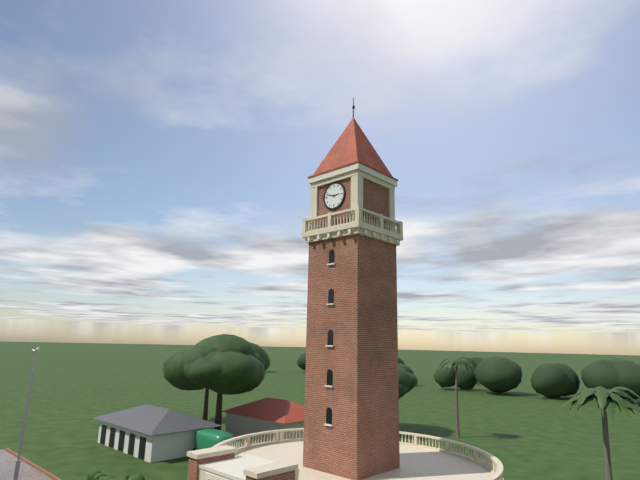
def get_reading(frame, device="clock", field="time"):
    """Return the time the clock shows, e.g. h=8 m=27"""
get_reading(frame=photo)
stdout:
h=2 m=48
